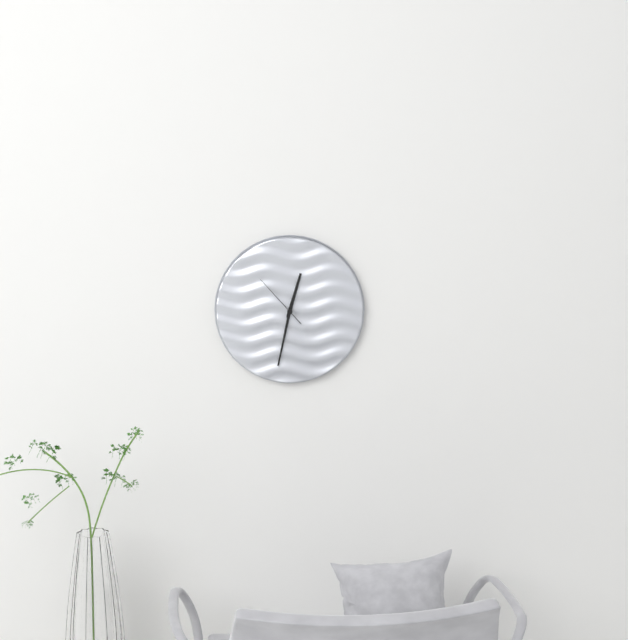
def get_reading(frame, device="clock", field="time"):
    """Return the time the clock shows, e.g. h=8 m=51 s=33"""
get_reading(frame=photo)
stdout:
h=12 m=32 s=53
